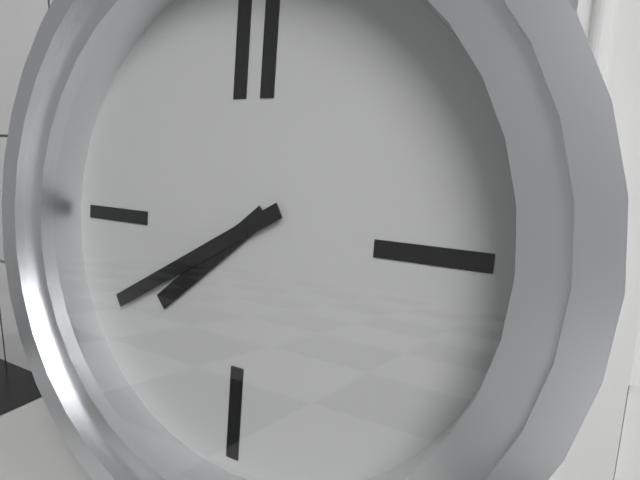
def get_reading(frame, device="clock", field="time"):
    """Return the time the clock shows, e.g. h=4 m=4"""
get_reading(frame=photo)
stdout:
h=7 m=40
